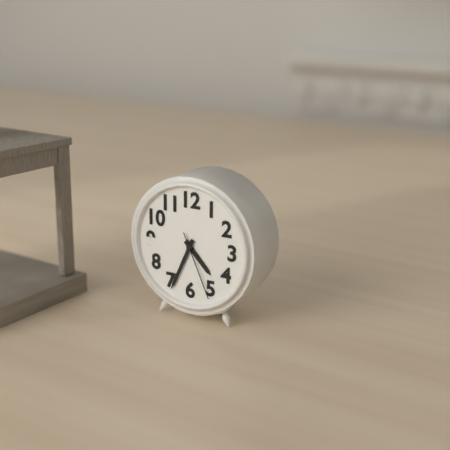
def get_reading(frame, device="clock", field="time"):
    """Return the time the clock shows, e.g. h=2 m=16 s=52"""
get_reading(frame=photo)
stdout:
h=4 m=34 s=26
